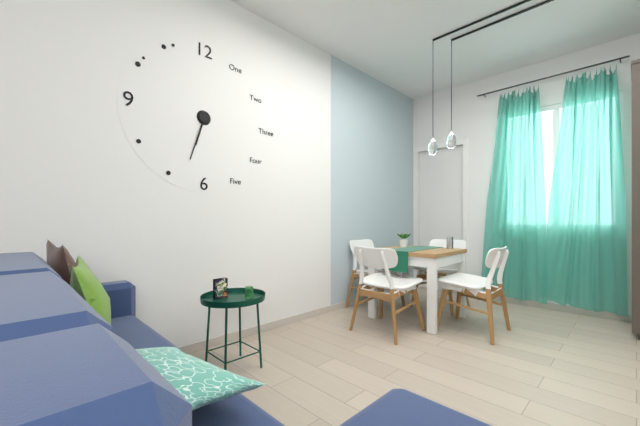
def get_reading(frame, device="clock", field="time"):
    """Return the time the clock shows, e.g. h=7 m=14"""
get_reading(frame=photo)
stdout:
h=6 m=33
